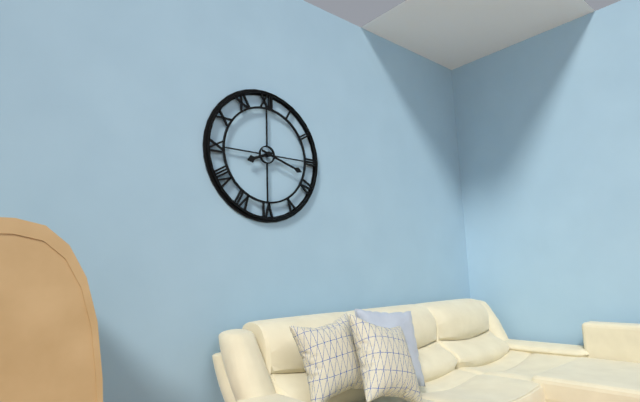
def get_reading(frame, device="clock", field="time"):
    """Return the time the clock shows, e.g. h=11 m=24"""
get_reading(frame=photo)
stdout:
h=8 m=18
